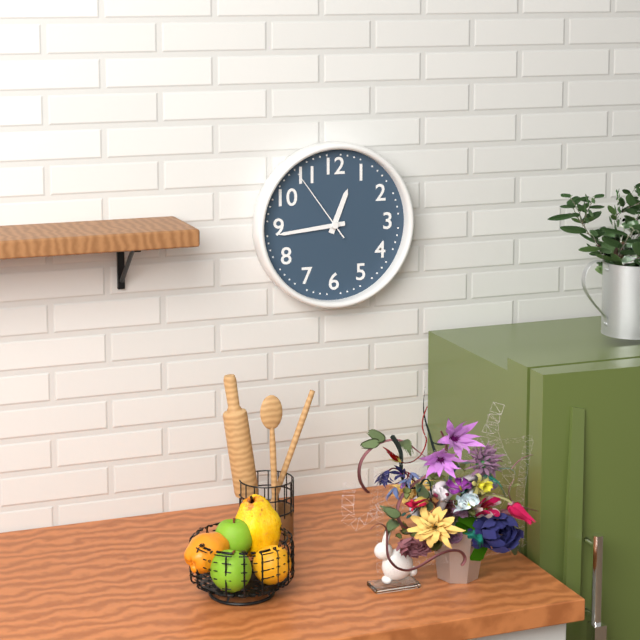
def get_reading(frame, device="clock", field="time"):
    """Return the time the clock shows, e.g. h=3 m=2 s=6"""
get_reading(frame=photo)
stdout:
h=12 m=44 s=54
